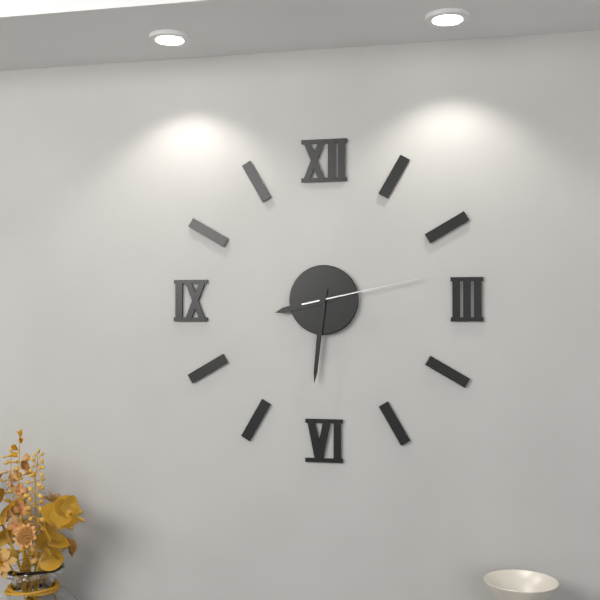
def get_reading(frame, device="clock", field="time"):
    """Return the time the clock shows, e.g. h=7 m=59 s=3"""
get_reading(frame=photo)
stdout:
h=8 m=31 s=13
